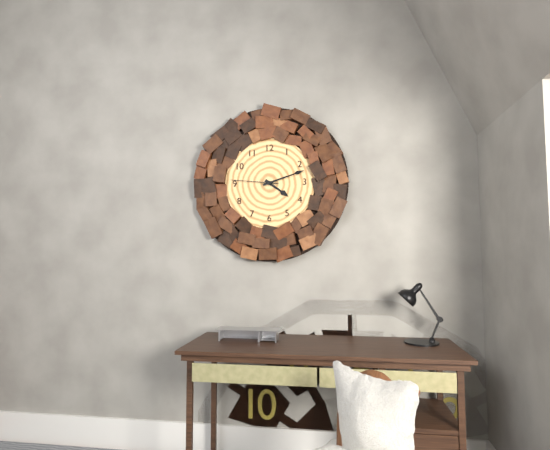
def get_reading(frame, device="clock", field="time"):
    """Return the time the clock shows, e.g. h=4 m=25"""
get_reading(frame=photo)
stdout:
h=4 m=12
